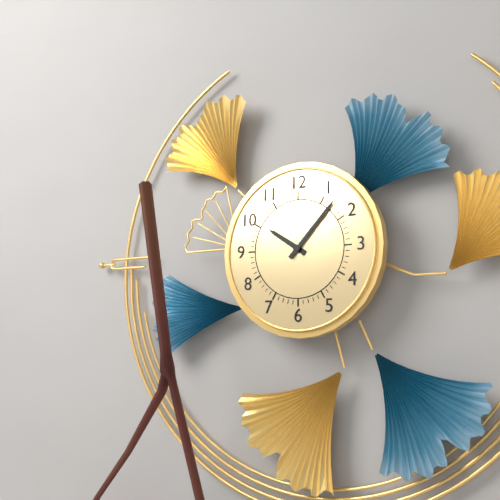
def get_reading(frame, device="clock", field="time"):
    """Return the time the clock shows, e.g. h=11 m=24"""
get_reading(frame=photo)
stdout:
h=10 m=7
